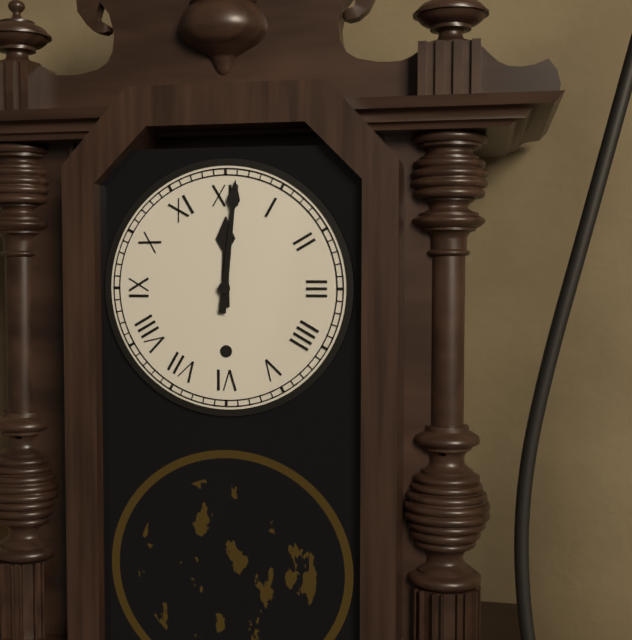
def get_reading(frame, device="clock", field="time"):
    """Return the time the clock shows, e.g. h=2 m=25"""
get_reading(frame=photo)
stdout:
h=12 m=1
